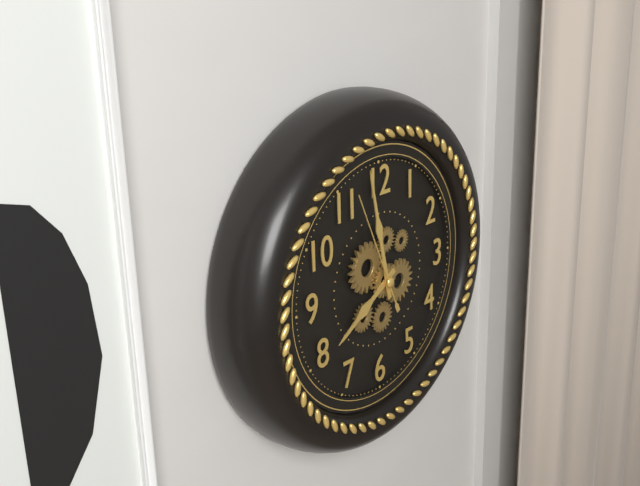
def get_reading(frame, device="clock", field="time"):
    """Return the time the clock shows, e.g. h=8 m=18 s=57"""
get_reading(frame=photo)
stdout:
h=7 m=58 s=56
